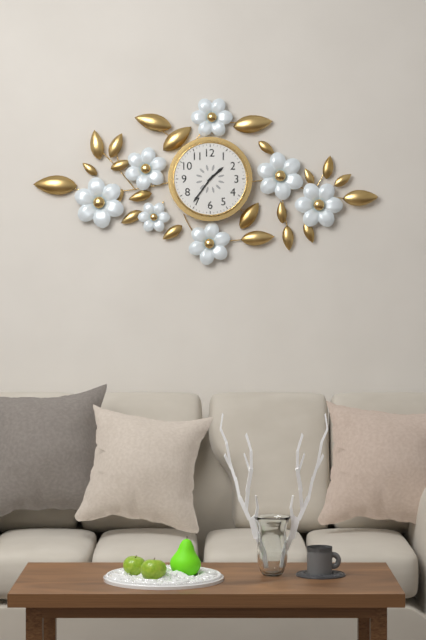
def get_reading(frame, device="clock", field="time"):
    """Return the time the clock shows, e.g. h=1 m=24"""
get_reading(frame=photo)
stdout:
h=1 m=36
